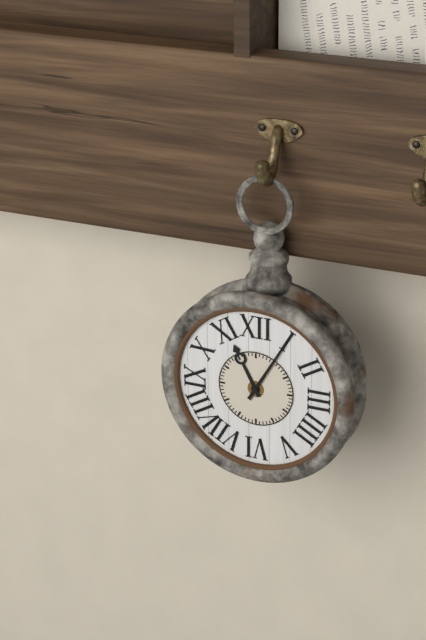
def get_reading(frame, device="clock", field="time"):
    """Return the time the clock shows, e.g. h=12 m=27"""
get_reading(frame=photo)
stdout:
h=11 m=5
